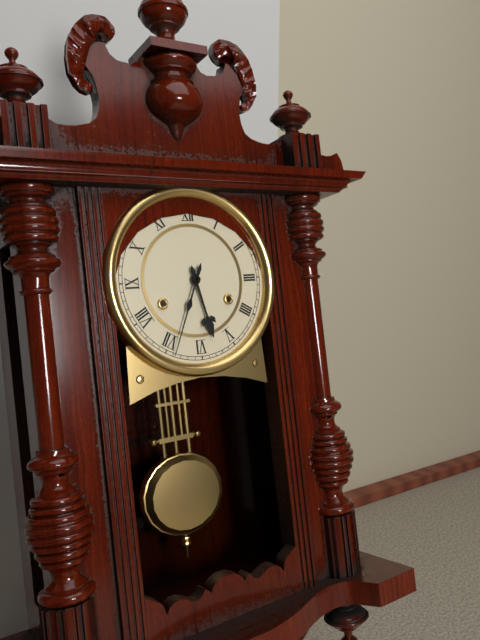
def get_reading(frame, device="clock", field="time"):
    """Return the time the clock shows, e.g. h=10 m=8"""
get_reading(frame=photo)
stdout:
h=5 m=34
